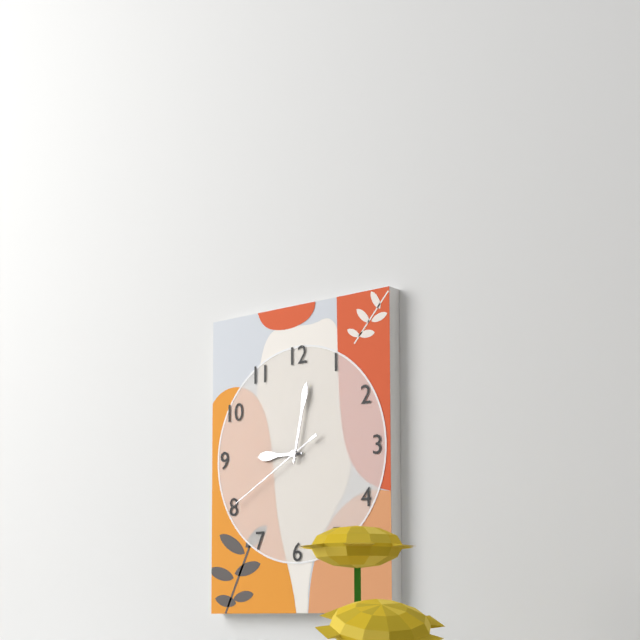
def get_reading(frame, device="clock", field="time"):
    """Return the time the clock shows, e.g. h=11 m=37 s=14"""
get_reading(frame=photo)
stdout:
h=9 m=2 s=40
